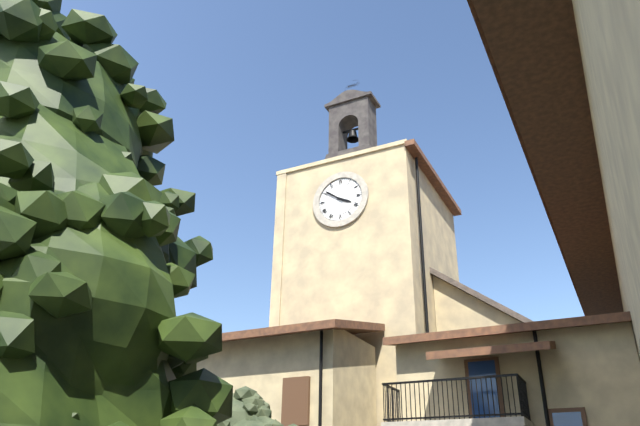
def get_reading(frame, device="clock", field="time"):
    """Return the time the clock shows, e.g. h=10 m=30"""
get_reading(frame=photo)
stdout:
h=3 m=51
